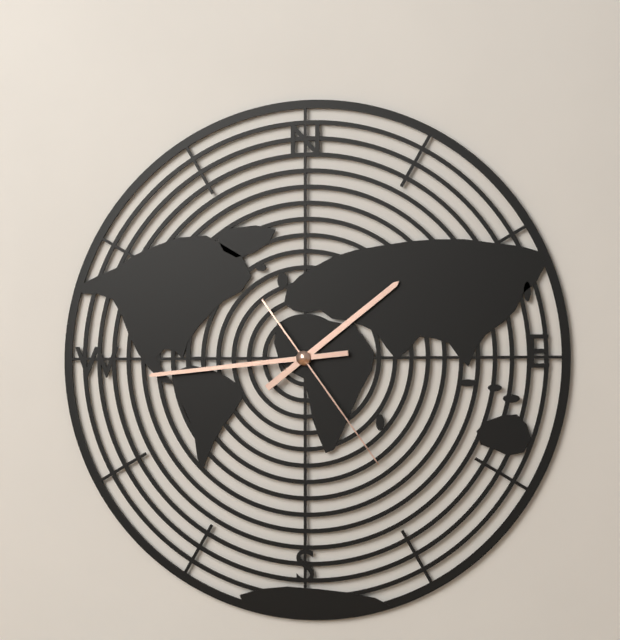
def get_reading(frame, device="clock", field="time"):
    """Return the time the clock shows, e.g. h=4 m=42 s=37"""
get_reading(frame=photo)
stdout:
h=1 m=44 s=24
